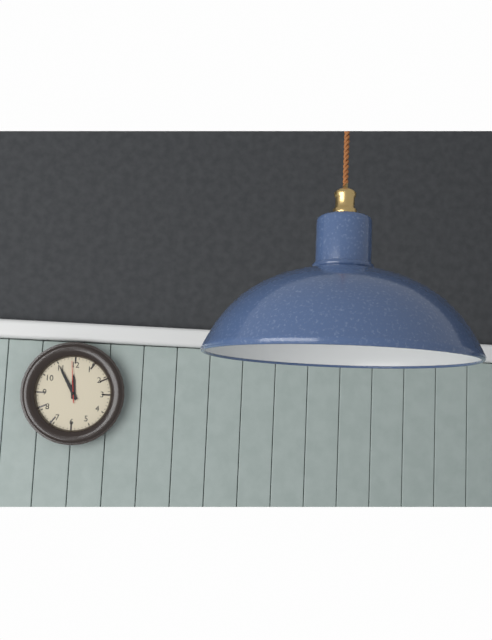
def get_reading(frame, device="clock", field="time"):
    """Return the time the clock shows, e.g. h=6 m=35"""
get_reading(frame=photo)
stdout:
h=11 m=55
